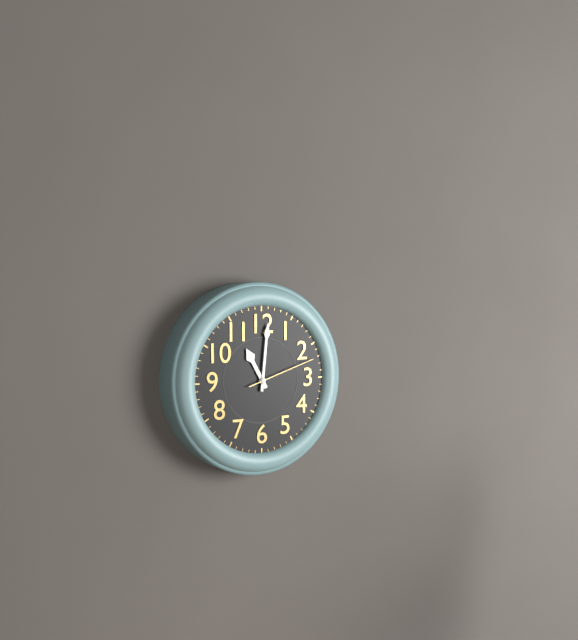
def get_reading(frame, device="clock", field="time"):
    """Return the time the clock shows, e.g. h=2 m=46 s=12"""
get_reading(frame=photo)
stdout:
h=11 m=1 s=12
